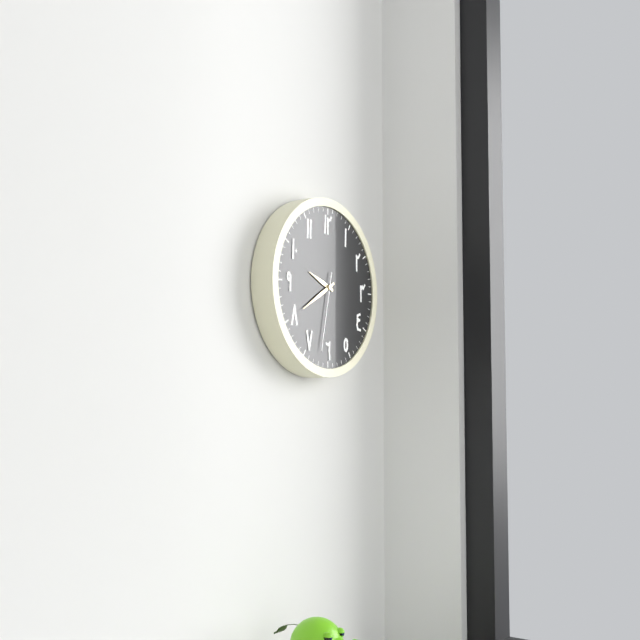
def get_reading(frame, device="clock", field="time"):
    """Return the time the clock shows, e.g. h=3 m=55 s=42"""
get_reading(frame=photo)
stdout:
h=9 m=40 s=32
